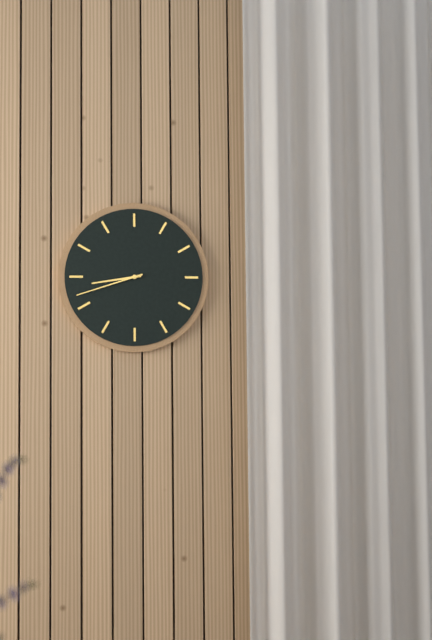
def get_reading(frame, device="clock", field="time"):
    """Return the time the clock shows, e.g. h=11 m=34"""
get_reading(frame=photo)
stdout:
h=8 m=42
